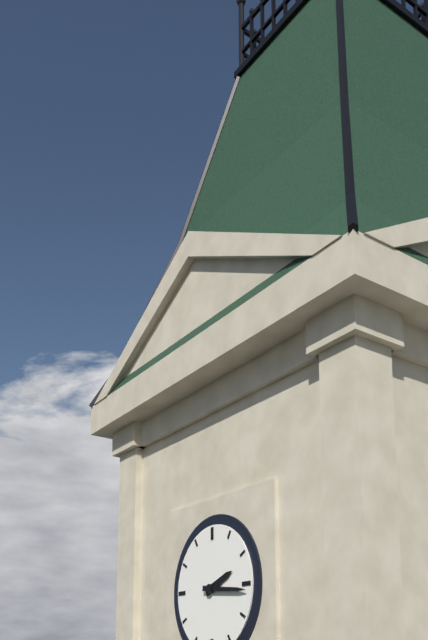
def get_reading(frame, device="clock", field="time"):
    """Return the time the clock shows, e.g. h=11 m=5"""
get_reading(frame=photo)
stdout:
h=2 m=16
